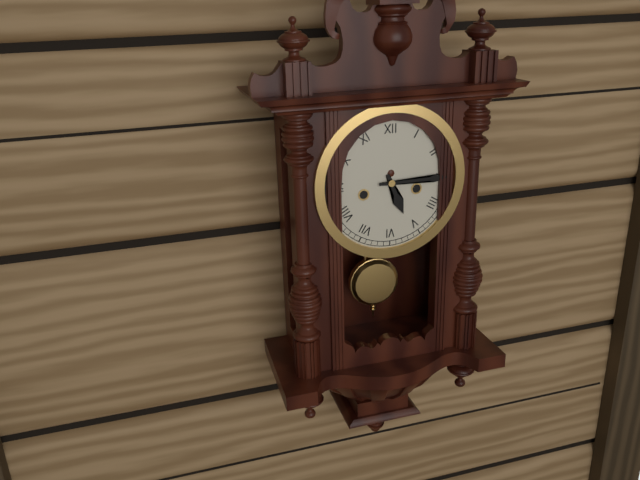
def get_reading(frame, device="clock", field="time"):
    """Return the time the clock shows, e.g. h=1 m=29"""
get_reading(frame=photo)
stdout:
h=5 m=15
